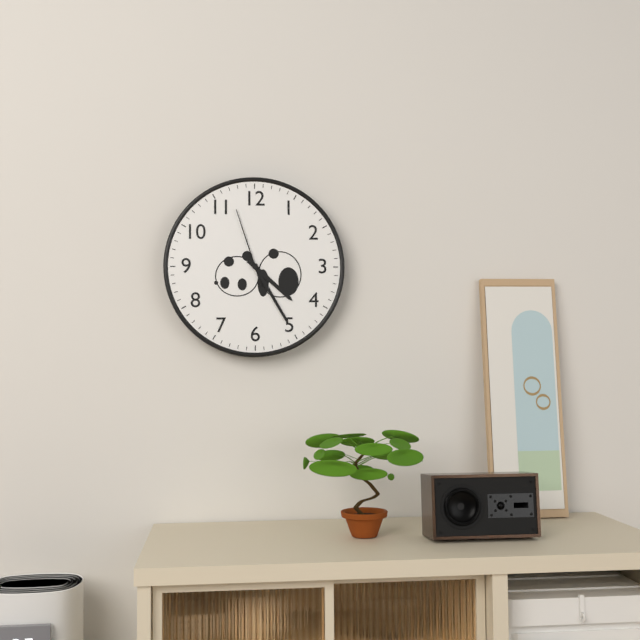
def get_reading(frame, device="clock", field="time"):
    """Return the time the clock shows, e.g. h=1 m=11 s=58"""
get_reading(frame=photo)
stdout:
h=4 m=25 s=57
